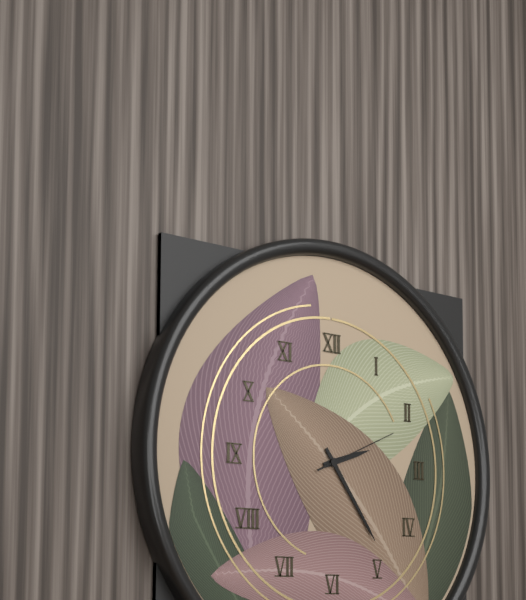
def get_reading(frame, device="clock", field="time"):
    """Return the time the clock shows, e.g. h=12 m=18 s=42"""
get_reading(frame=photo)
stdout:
h=2 m=24 s=11
